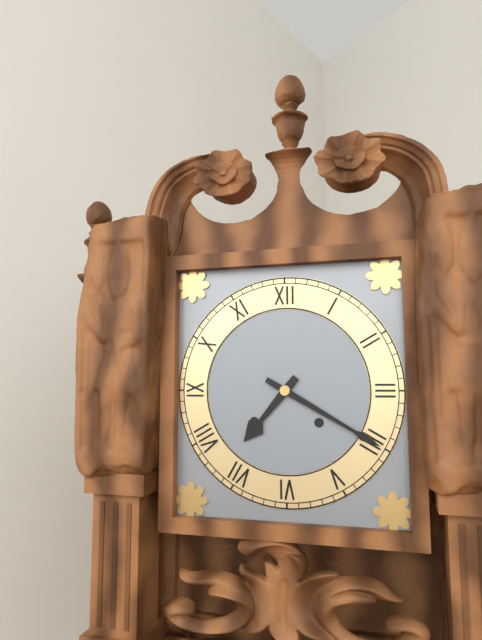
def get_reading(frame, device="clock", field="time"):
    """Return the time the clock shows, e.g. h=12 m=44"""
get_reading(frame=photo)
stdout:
h=7 m=20
